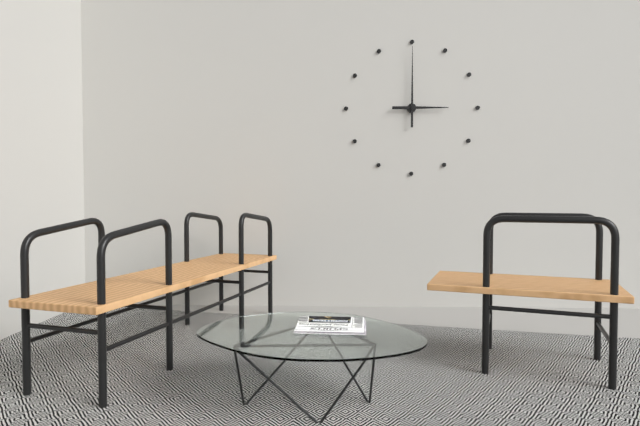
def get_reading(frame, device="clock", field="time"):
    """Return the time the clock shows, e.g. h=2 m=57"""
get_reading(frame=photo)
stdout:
h=3 m=0
